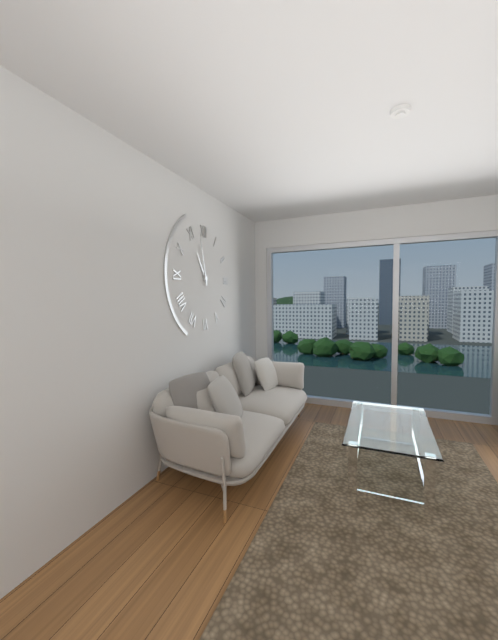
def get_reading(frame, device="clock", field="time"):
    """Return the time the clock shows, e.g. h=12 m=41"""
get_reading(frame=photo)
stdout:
h=10 m=58
